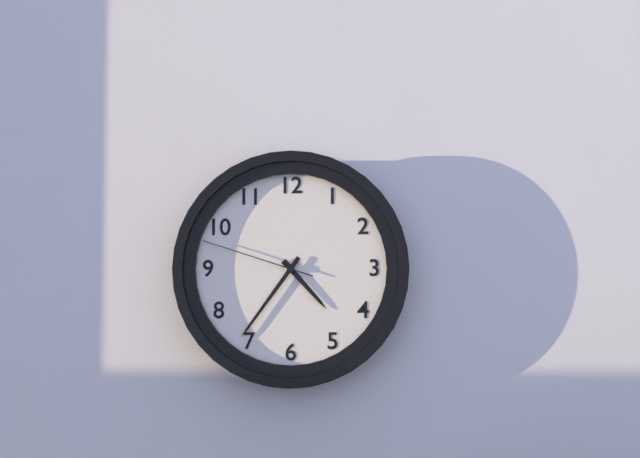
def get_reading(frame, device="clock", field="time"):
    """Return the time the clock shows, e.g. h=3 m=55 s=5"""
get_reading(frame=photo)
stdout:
h=4 m=36 s=48
